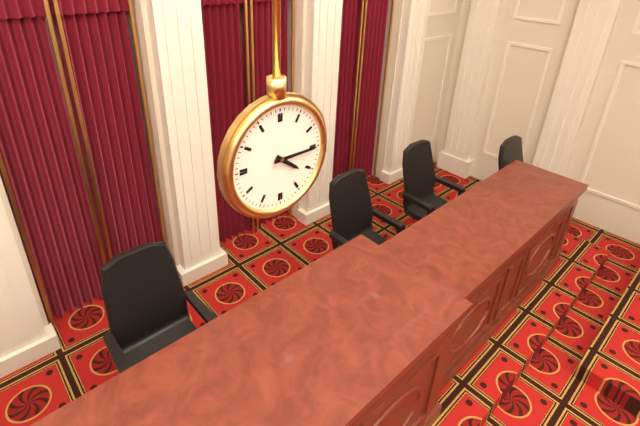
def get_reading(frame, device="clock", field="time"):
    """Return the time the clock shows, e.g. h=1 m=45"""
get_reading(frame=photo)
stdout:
h=4 m=15
